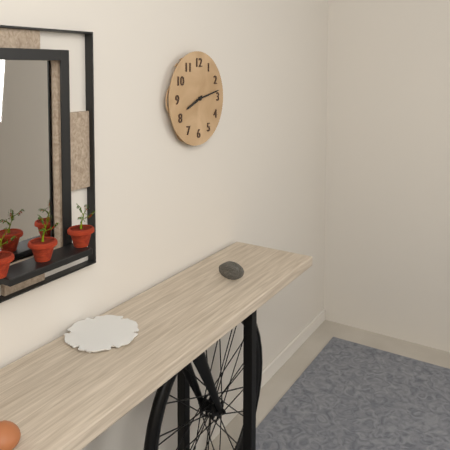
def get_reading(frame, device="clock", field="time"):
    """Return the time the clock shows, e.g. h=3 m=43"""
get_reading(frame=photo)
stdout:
h=8 m=13
